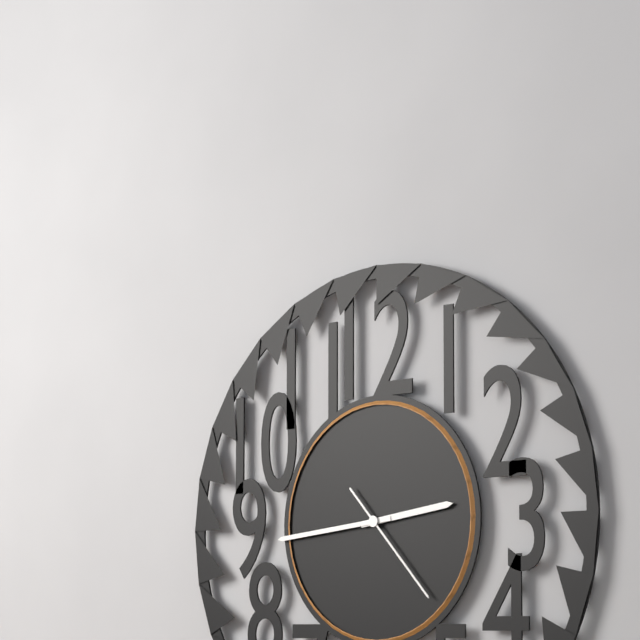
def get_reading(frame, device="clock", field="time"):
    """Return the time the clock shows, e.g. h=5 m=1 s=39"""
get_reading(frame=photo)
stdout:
h=2 m=44 s=23
